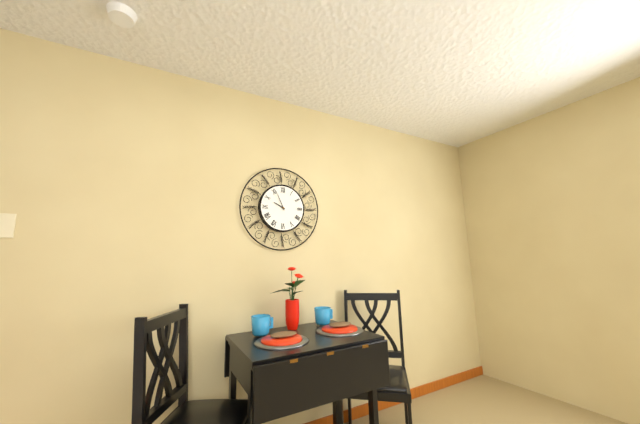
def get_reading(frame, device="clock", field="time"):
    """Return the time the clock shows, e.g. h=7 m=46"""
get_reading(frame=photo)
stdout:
h=9 m=56
